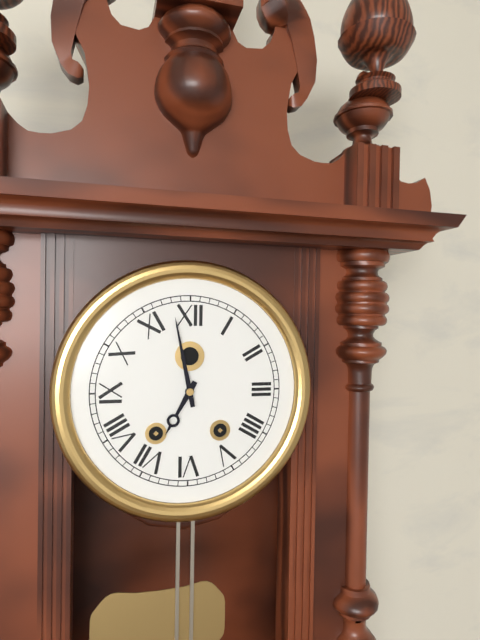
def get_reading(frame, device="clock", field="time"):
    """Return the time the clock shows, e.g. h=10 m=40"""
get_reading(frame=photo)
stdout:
h=6 m=58
